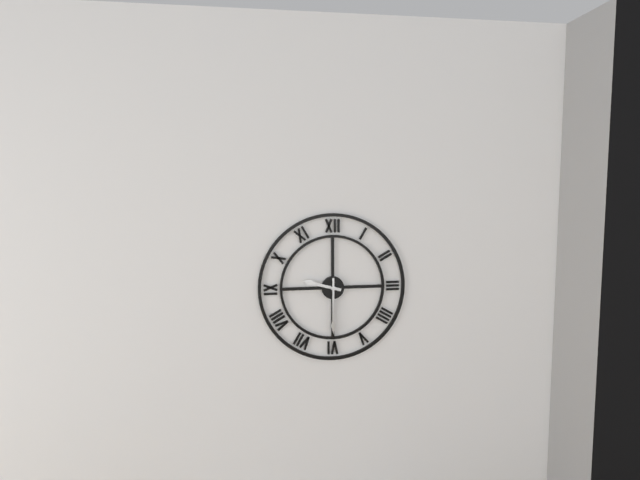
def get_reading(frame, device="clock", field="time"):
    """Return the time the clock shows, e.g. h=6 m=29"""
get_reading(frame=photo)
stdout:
h=9 m=30
